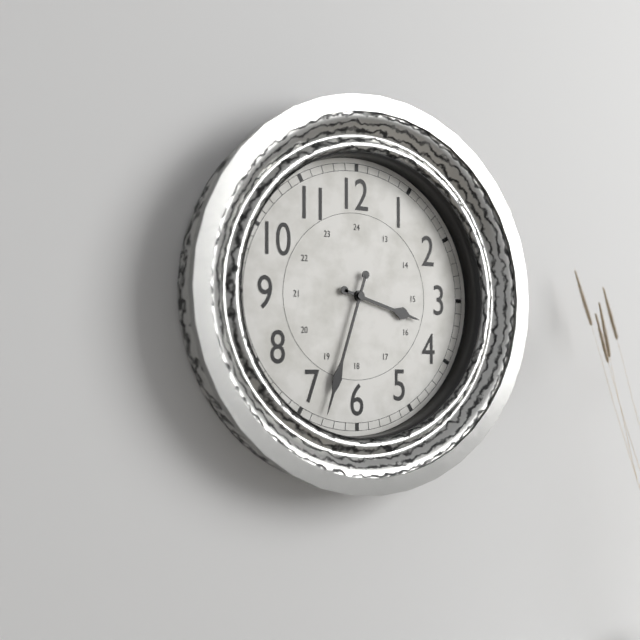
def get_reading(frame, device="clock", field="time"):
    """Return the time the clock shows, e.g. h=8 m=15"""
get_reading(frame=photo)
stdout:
h=3 m=33
